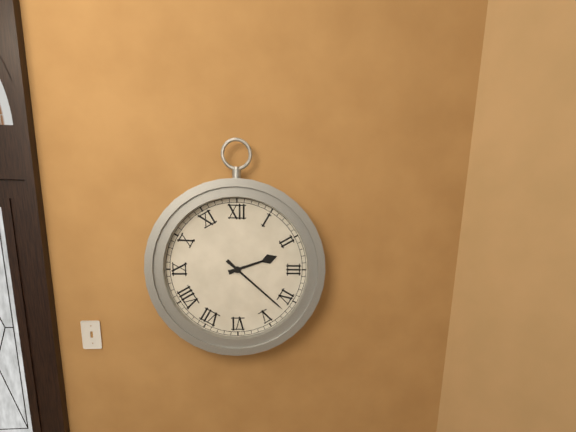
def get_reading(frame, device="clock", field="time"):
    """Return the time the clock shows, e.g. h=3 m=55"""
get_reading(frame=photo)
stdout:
h=2 m=22
